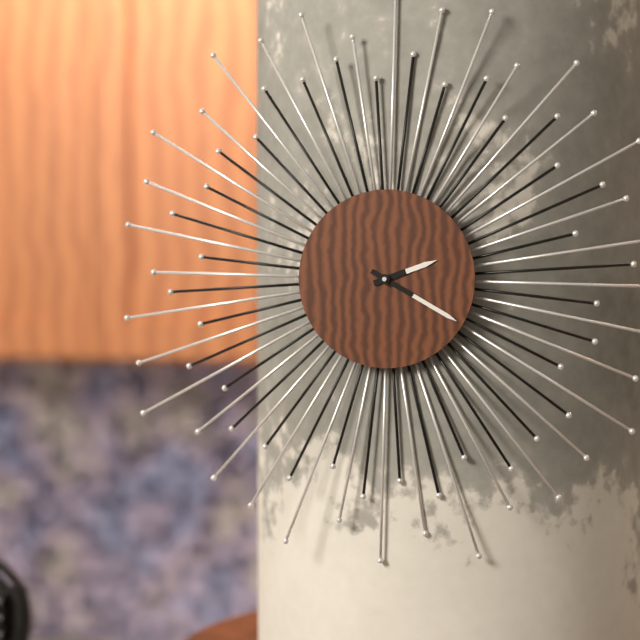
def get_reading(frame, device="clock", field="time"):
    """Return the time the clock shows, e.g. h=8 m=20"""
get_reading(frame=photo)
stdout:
h=2 m=20
